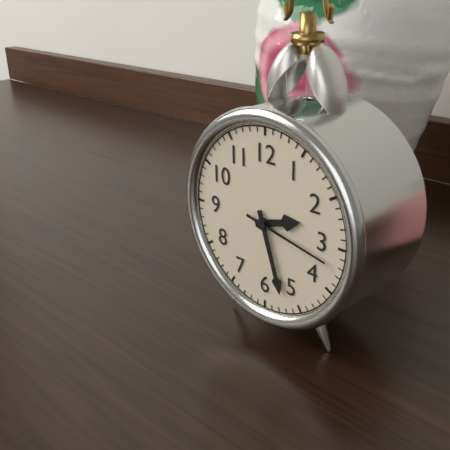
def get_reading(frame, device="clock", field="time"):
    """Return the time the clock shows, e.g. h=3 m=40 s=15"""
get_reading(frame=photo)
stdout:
h=2 m=27 s=17
